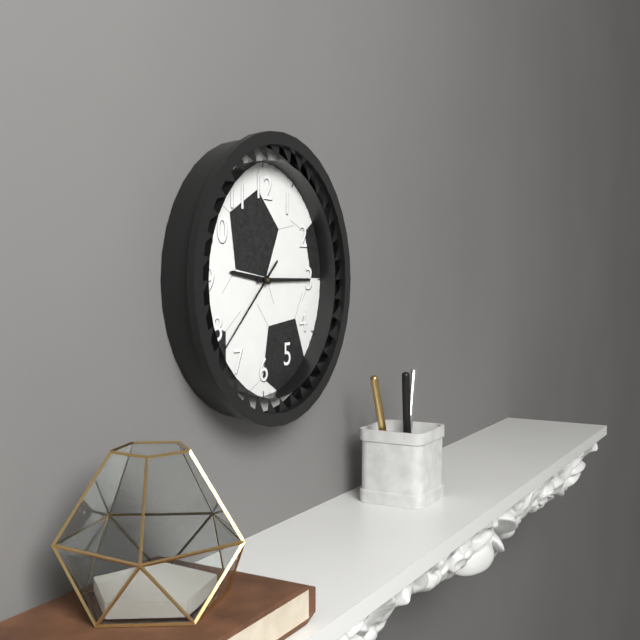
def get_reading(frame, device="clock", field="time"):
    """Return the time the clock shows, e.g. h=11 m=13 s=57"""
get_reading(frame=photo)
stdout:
h=9 m=15 s=38
